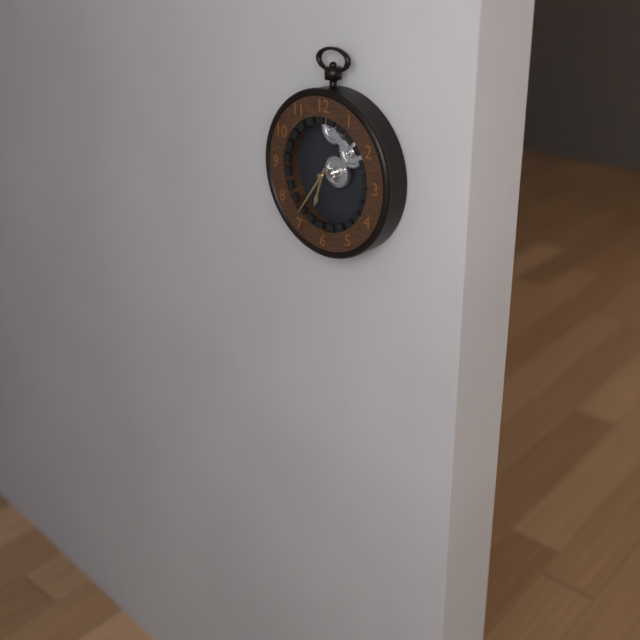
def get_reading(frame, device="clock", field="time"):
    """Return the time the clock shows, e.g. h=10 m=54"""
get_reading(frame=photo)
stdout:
h=6 m=36
